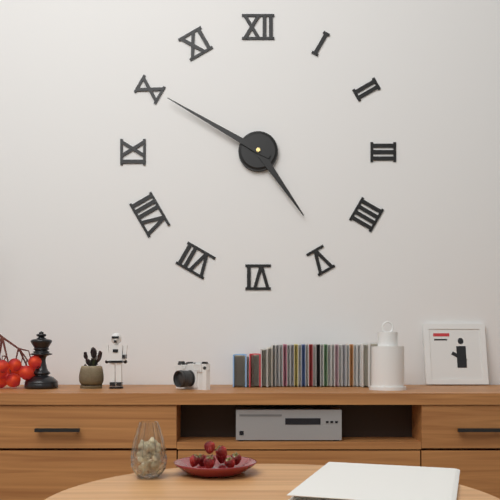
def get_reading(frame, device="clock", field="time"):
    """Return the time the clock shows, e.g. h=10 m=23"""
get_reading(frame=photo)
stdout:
h=4 m=50
